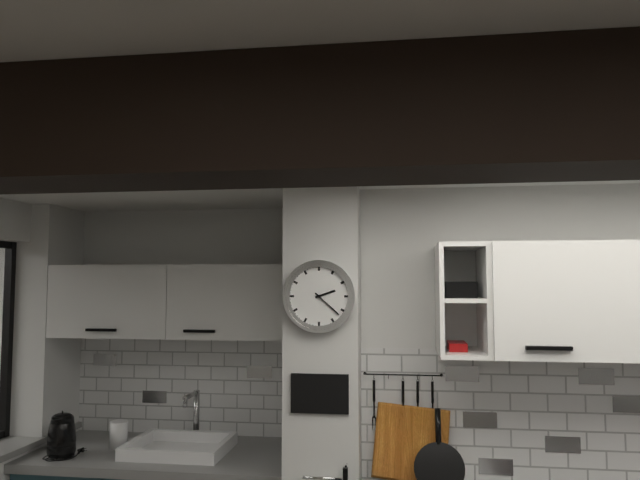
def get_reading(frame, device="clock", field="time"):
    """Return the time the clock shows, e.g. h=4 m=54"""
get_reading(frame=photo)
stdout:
h=2 m=22
